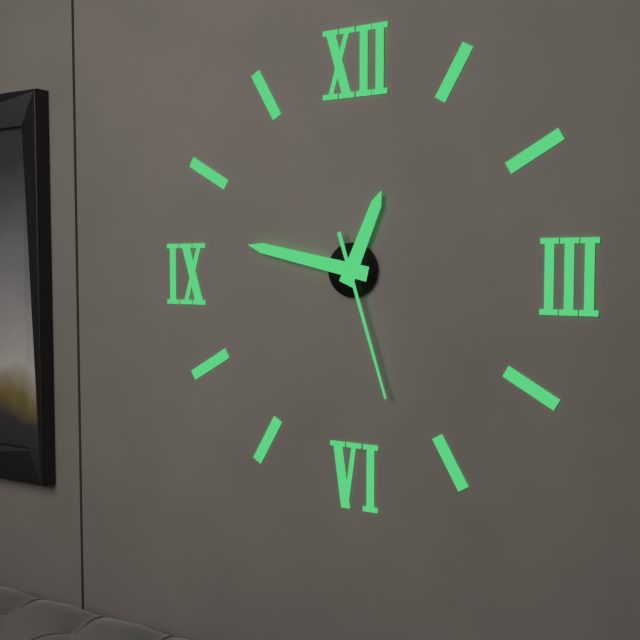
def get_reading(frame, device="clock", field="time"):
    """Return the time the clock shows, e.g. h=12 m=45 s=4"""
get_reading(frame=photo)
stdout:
h=12 m=47 s=27
